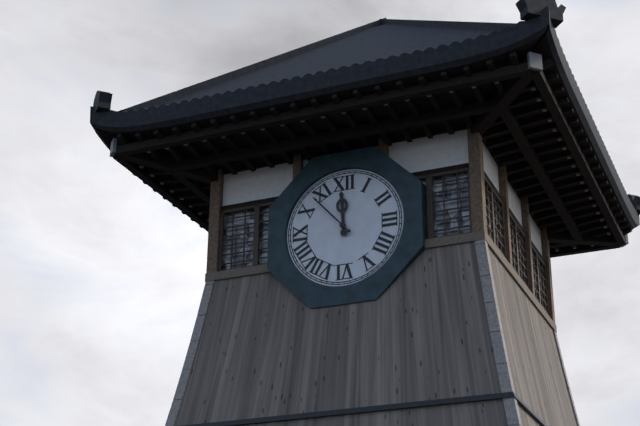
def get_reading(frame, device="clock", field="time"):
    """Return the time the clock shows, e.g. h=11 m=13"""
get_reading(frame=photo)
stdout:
h=11 m=53
